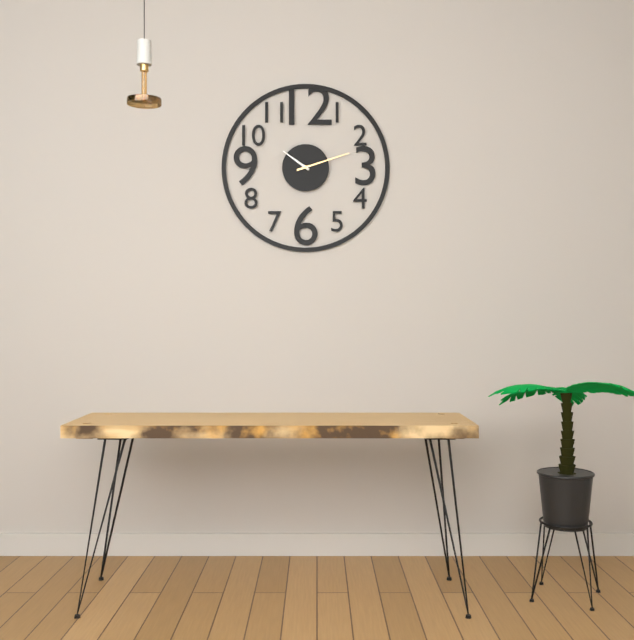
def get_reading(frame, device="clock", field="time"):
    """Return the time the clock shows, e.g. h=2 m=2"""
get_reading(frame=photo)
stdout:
h=10 m=12
